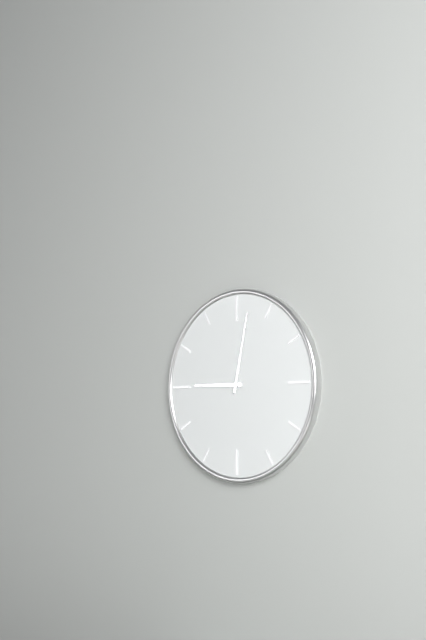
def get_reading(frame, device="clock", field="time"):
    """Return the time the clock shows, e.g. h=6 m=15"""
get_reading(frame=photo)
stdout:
h=9 m=2
